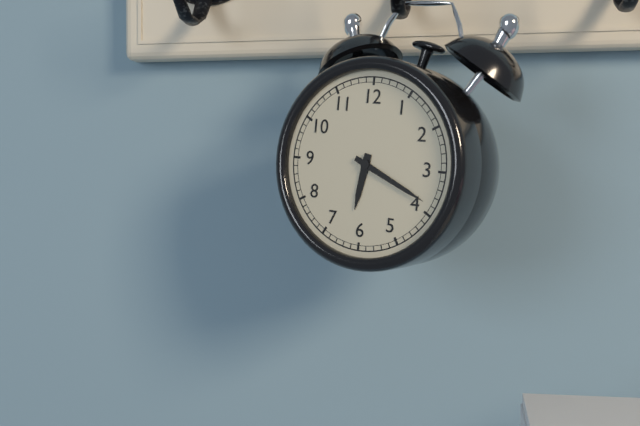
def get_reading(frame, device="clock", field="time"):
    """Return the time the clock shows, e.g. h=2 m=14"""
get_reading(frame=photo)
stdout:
h=6 m=19
